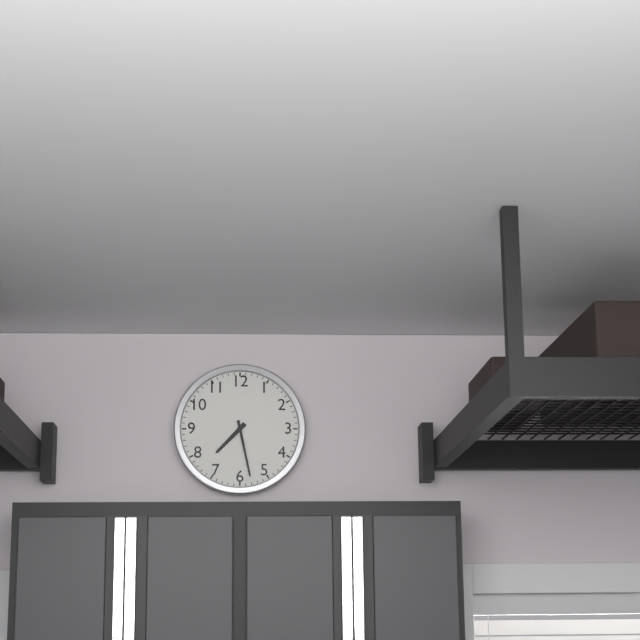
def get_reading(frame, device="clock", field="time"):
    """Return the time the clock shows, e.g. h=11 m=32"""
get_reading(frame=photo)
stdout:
h=7 m=28
